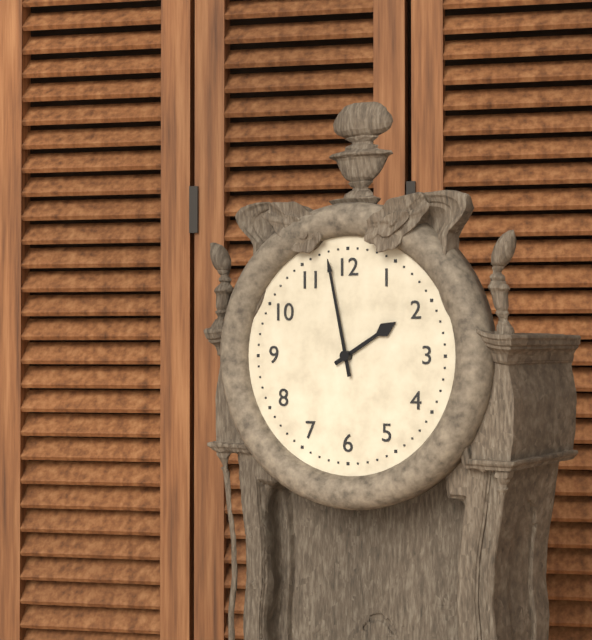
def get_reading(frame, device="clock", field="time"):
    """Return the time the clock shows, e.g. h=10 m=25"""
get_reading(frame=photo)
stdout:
h=1 m=58
